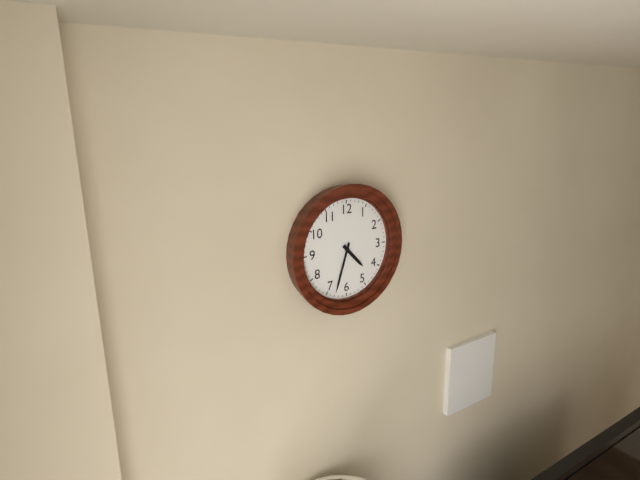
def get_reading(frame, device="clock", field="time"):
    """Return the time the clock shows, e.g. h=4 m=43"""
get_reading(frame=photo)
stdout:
h=4 m=33
